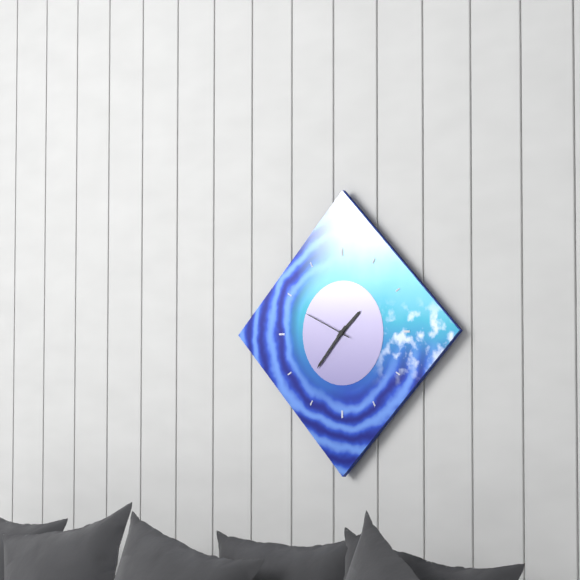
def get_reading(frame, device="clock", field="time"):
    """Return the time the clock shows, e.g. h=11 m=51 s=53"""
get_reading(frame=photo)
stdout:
h=1 m=37 s=49
